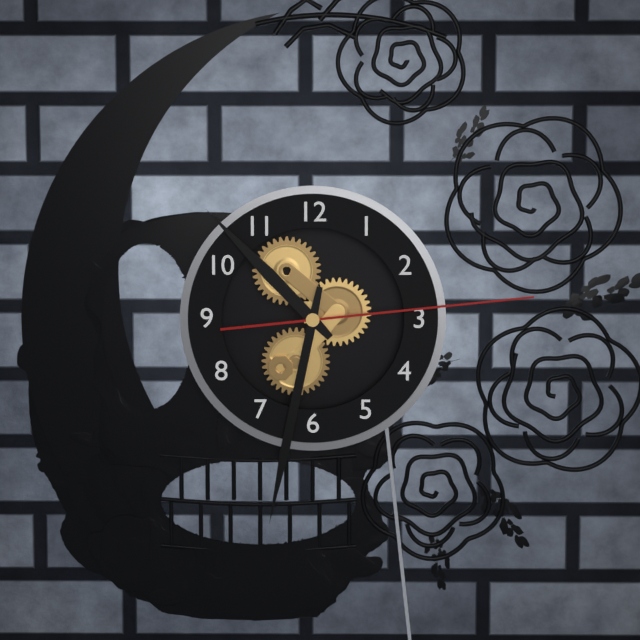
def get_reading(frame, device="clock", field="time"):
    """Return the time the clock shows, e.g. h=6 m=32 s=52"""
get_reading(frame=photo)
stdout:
h=10 m=32 s=14
